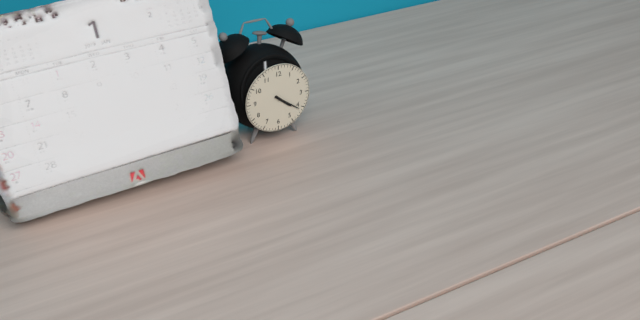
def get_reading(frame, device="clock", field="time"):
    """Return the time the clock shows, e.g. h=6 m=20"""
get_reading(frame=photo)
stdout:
h=4 m=21
